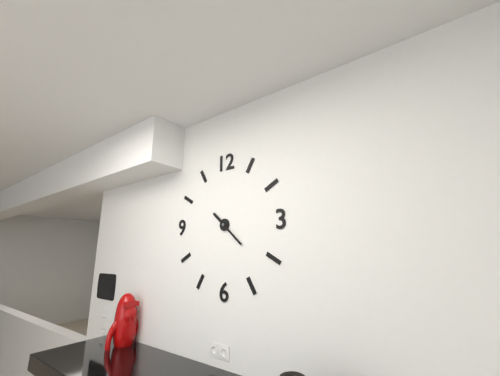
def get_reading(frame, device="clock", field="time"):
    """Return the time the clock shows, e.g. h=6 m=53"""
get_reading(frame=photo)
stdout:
h=10 m=22
